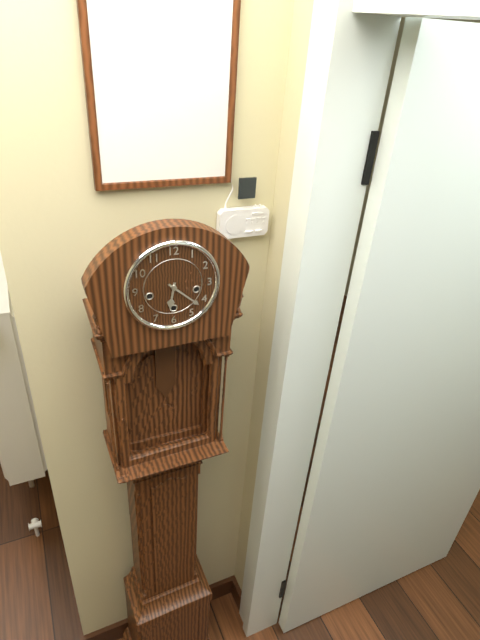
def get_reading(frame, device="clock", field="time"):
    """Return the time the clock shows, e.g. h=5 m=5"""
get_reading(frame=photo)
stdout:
h=6 m=22
